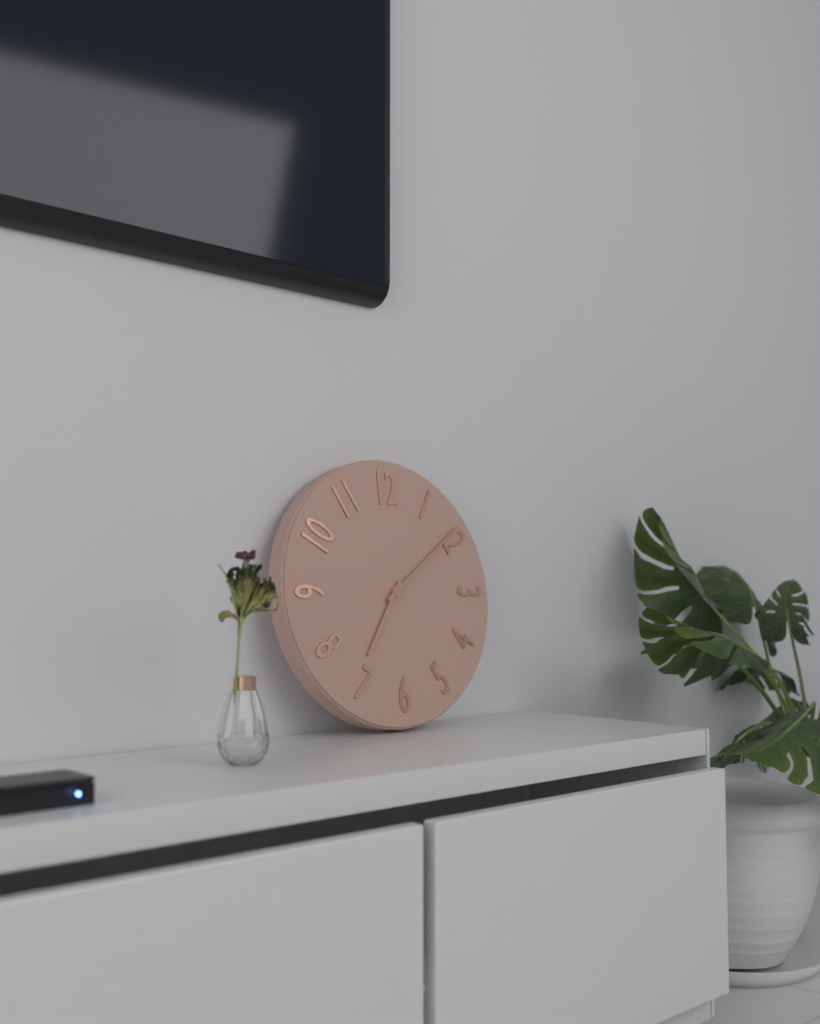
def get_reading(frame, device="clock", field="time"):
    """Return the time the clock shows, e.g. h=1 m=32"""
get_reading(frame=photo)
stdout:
h=7 m=9
